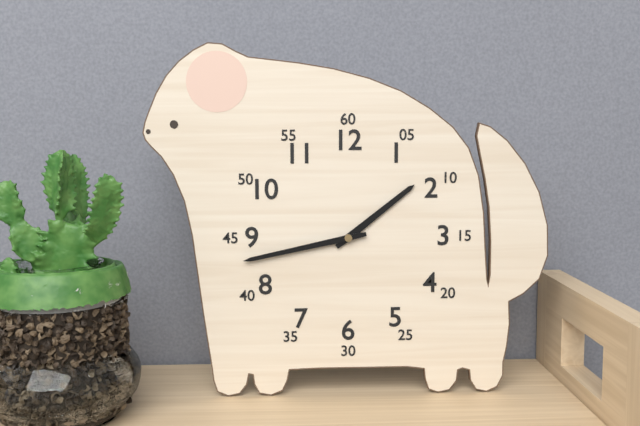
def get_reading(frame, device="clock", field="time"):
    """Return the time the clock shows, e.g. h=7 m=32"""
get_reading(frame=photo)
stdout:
h=1 m=43
